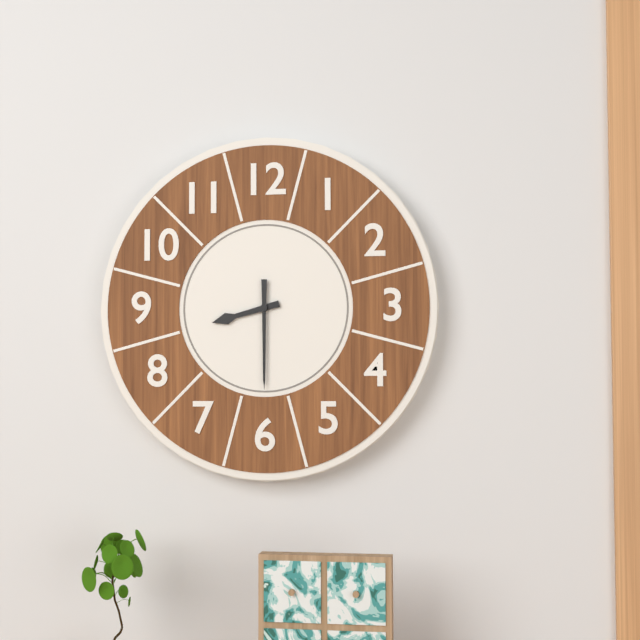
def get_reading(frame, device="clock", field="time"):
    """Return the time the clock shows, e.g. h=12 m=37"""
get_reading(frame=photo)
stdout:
h=8 m=30
